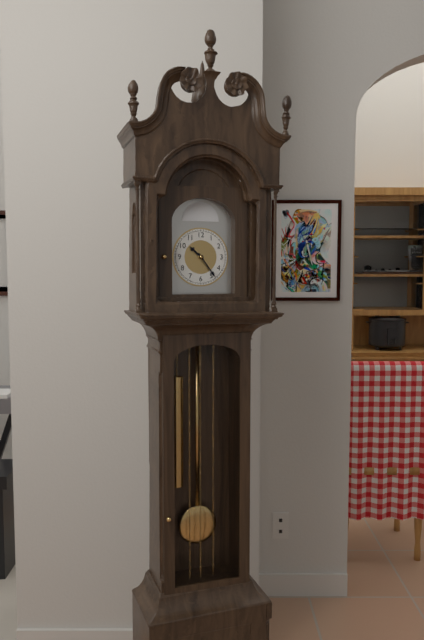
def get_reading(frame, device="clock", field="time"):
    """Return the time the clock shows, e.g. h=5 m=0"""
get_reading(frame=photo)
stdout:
h=10 m=24
